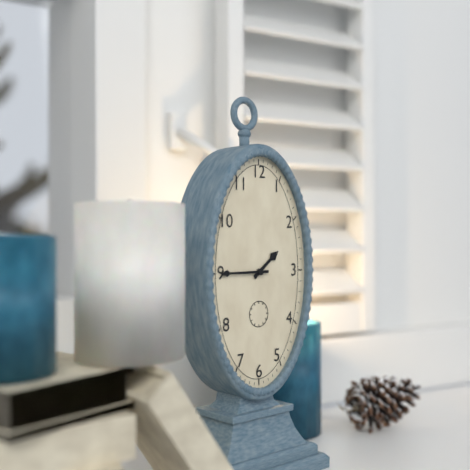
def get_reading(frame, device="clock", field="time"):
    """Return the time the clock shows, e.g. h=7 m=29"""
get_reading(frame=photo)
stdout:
h=1 m=45
